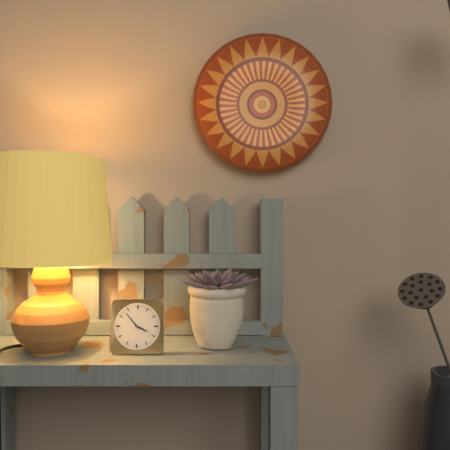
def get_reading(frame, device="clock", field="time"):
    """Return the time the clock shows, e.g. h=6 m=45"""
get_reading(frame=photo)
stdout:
h=3 m=53
